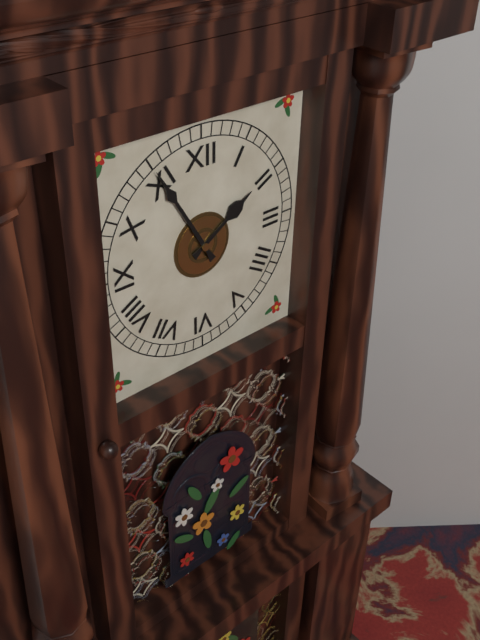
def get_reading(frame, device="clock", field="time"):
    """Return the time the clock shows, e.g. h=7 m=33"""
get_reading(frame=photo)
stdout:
h=1 m=55
